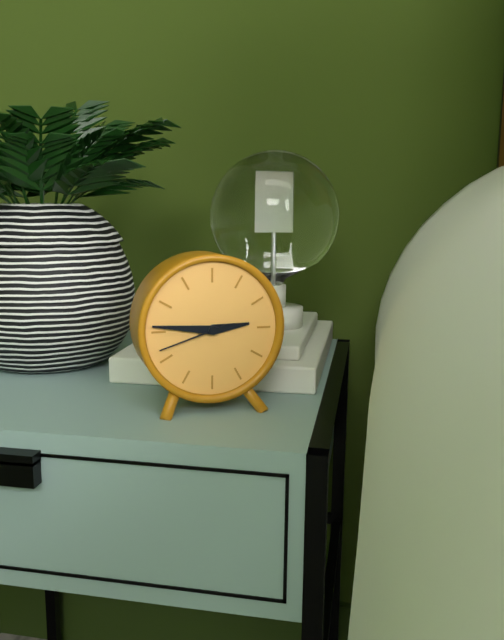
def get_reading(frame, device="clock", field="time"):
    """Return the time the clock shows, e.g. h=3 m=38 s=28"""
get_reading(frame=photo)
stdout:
h=2 m=46 s=42
